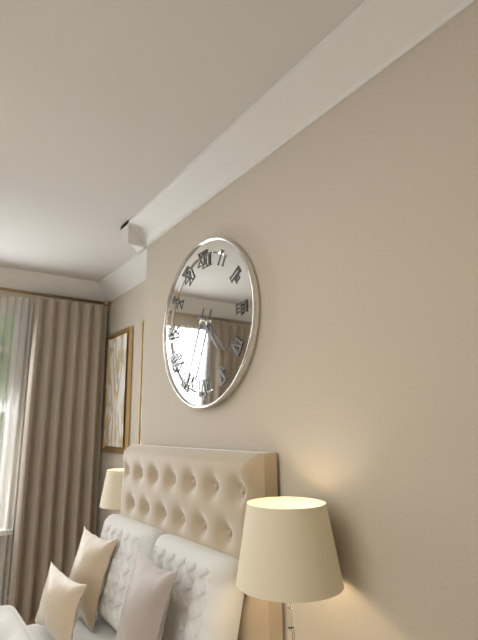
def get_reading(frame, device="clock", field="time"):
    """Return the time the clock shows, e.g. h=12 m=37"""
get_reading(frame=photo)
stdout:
h=4 m=34
